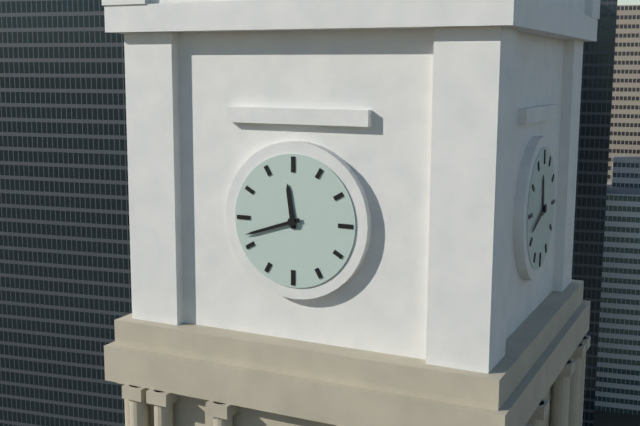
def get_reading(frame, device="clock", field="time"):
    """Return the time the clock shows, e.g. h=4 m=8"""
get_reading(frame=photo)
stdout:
h=11 m=42
